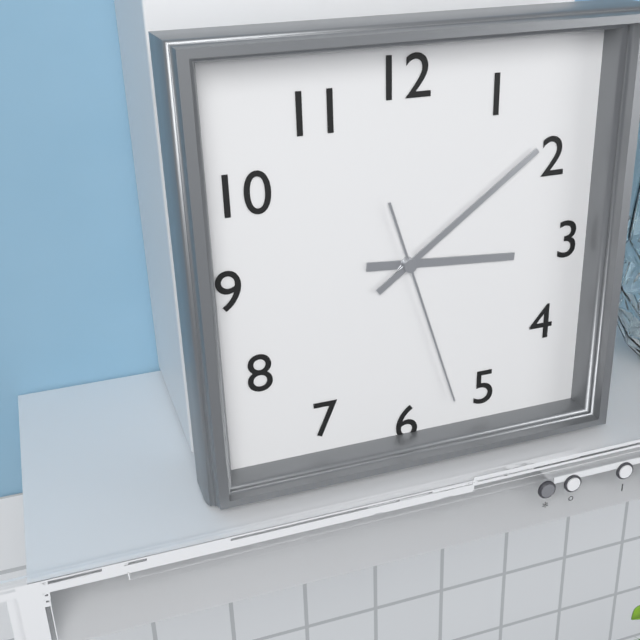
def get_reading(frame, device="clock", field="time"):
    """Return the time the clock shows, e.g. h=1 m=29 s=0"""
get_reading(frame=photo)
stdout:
h=3 m=9 s=27
